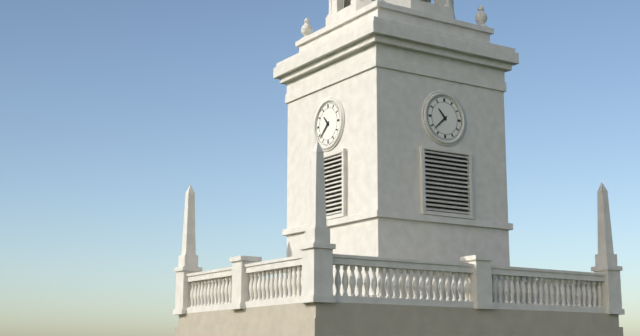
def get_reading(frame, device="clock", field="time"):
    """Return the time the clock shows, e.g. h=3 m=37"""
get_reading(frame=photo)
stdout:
h=10 m=38
